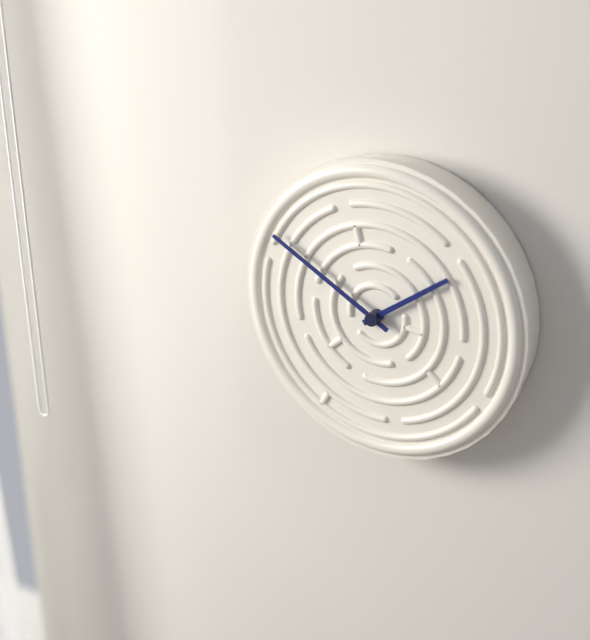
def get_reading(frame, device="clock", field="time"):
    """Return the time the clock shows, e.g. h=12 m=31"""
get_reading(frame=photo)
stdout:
h=1 m=50
